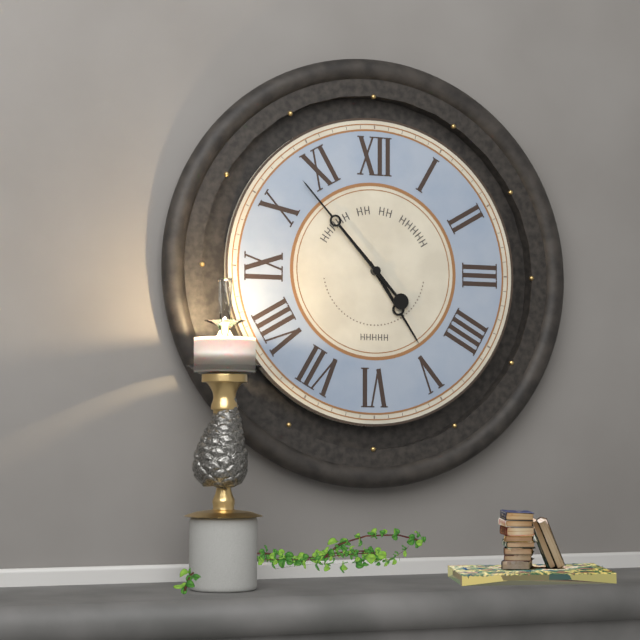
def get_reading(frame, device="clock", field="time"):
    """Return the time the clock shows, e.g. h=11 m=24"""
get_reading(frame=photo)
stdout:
h=4 m=53
